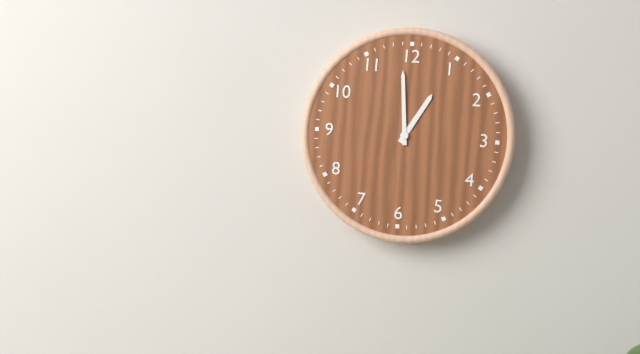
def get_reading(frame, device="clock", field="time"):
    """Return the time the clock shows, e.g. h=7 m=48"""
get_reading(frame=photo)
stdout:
h=12 m=59
